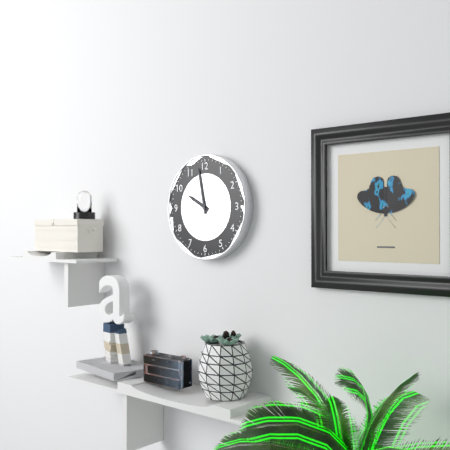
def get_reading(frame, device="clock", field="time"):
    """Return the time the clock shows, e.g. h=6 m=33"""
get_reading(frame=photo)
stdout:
h=9 m=58
